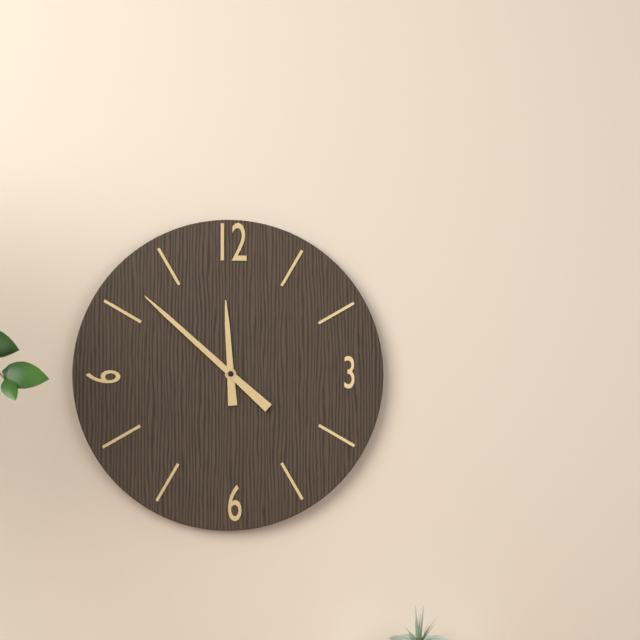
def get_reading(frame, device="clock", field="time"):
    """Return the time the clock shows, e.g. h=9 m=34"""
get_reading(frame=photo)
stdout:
h=11 m=52
